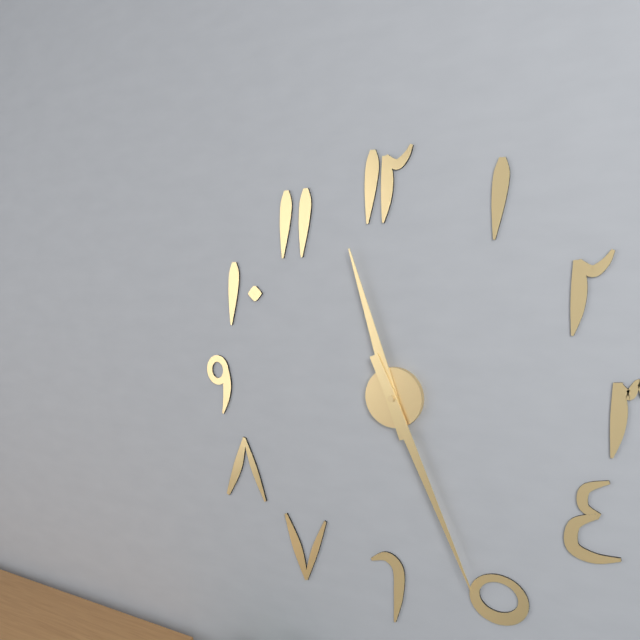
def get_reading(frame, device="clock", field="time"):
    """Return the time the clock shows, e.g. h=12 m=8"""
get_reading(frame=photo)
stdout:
h=11 m=26
